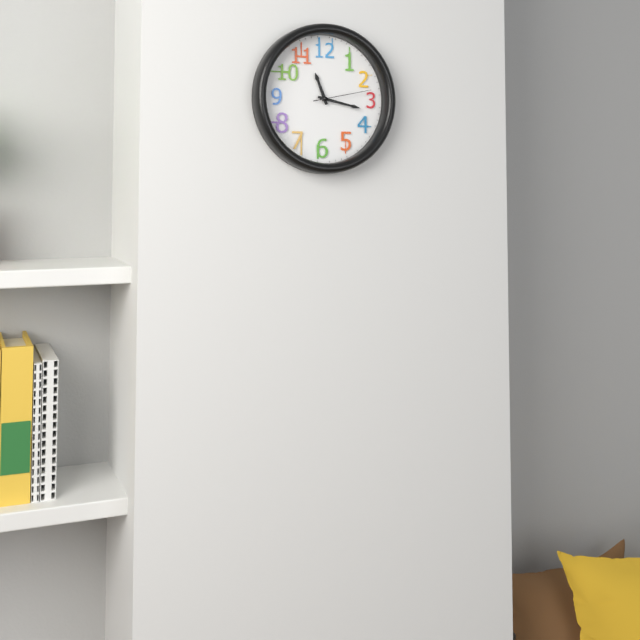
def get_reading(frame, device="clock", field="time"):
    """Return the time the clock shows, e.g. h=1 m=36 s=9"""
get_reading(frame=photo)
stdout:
h=11 m=17 s=13
